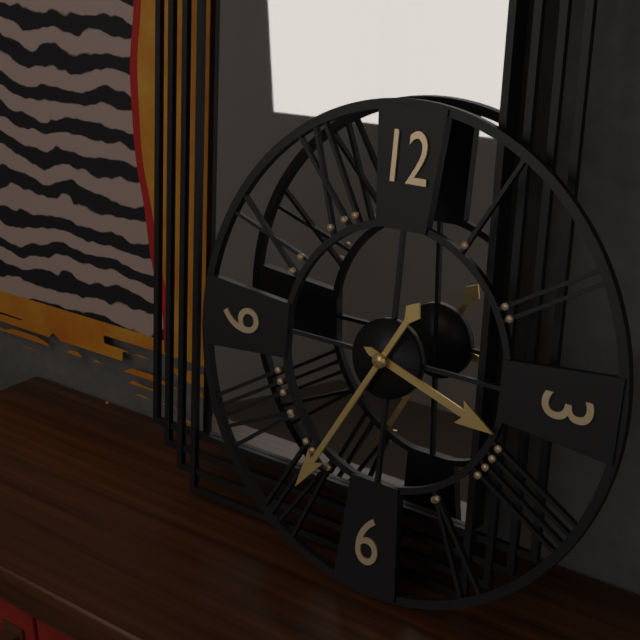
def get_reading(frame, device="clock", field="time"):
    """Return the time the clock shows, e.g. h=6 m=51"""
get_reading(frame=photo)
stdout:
h=3 m=35
